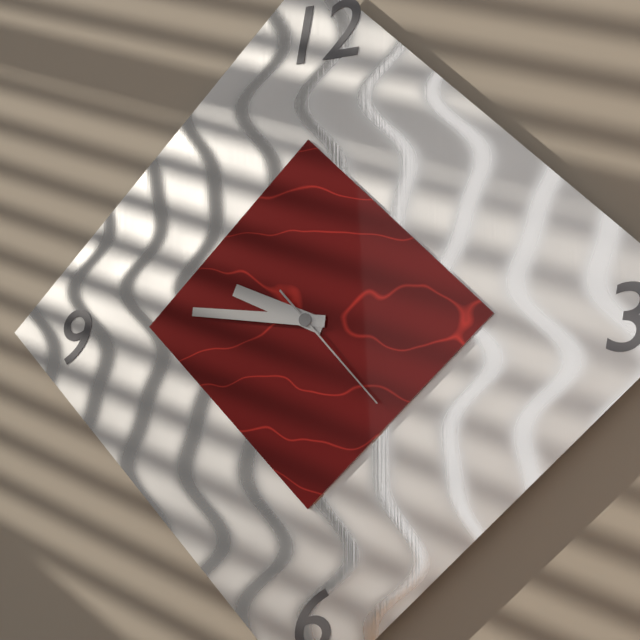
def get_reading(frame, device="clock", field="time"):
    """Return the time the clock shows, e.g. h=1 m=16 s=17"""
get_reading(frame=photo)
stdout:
h=9 m=46 s=23
